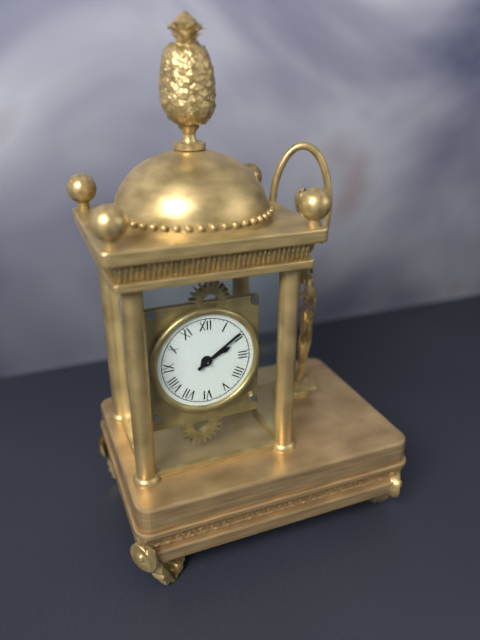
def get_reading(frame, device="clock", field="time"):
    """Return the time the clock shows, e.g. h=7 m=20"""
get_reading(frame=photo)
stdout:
h=2 m=9
